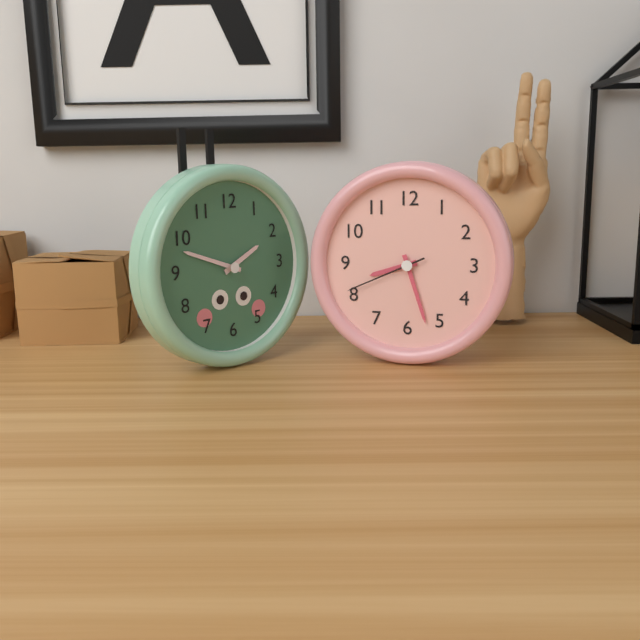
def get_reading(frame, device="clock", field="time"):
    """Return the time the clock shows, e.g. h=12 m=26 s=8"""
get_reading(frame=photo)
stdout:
h=8 m=27 s=41
